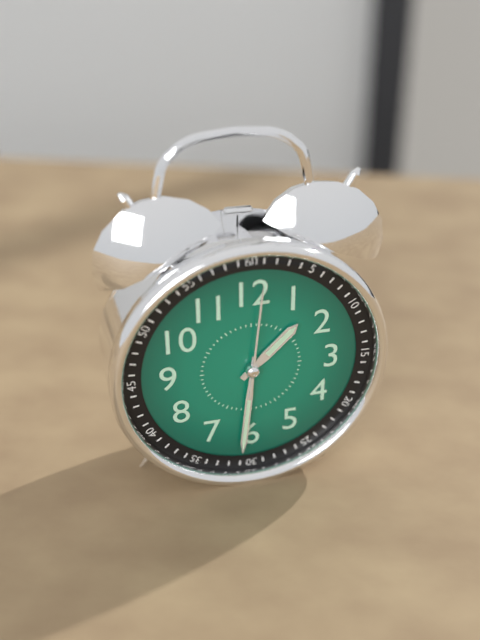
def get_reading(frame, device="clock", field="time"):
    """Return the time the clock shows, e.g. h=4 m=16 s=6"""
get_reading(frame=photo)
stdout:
h=1 m=31 s=1
